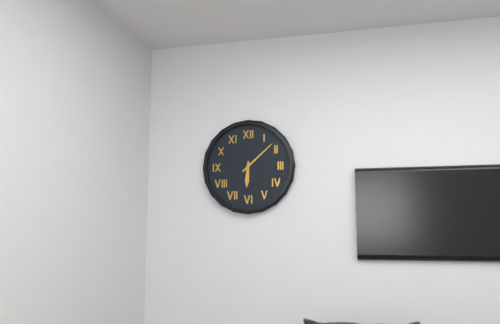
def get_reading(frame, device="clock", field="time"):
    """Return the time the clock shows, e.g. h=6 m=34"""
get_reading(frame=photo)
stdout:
h=6 m=8
